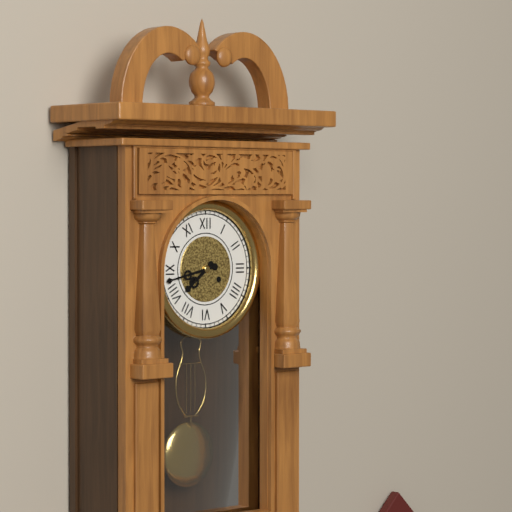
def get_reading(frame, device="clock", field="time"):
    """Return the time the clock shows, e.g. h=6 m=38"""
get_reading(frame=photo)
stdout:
h=7 m=43
